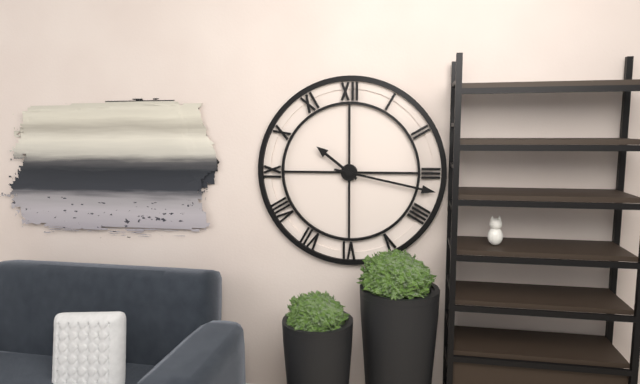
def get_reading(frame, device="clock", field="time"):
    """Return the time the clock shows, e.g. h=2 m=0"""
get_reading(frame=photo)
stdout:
h=10 m=17
